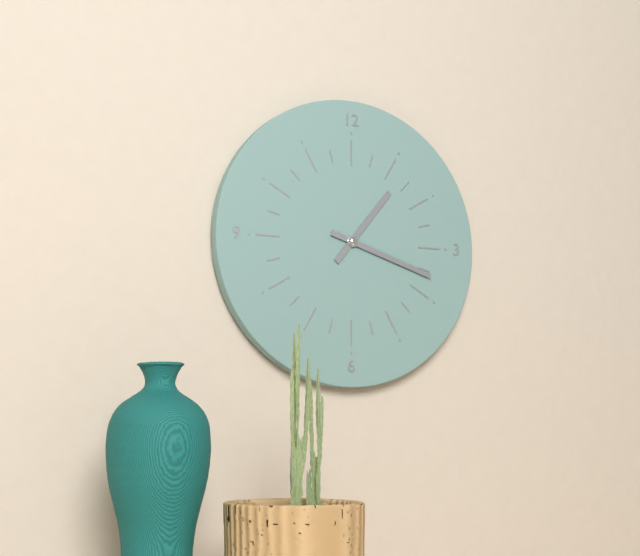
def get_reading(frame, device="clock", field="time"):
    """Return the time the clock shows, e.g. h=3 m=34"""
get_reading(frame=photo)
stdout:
h=1 m=18
